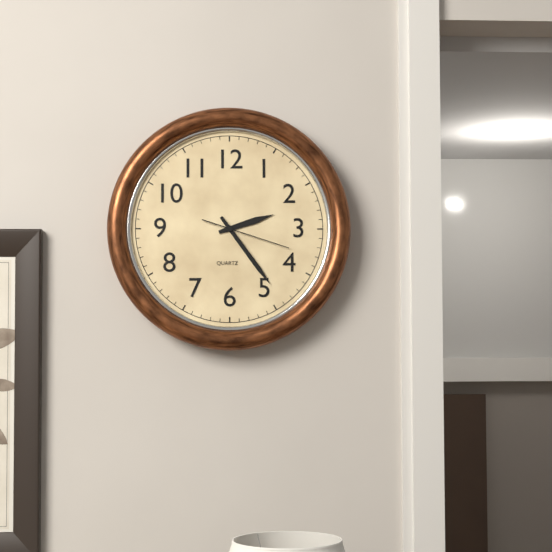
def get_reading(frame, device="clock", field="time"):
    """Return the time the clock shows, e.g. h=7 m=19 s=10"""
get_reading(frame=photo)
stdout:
h=2 m=24 s=18
